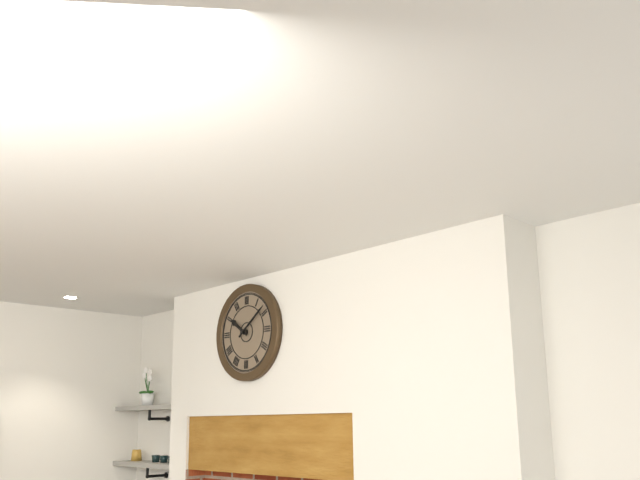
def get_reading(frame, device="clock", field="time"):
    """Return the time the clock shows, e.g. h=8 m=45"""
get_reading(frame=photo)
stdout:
h=10 m=9
